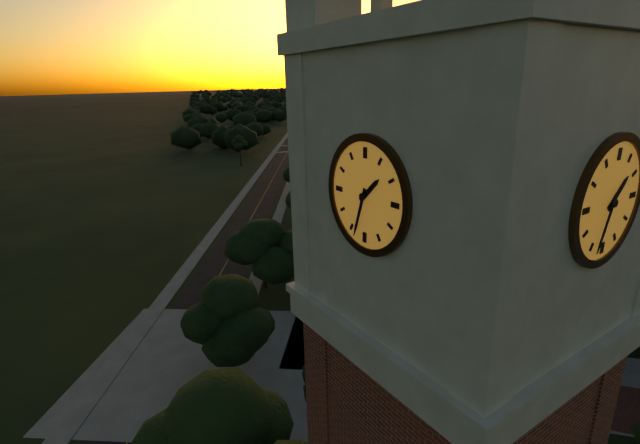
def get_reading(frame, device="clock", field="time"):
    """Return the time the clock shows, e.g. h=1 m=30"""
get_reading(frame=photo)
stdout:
h=1 m=33
